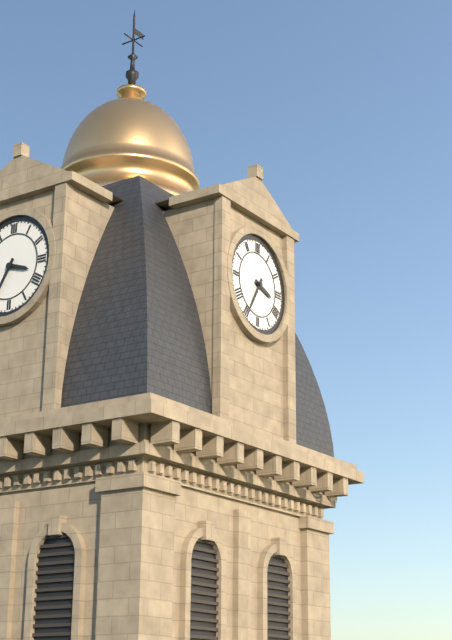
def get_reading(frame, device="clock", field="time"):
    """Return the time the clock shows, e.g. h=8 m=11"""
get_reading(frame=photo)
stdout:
h=3 m=35
